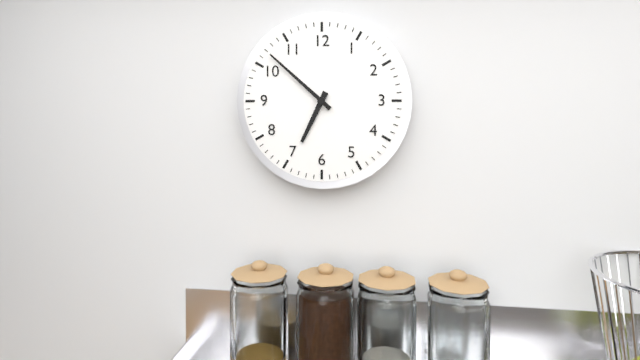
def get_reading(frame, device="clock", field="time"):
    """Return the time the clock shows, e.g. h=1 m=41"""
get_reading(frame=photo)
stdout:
h=6 m=52
